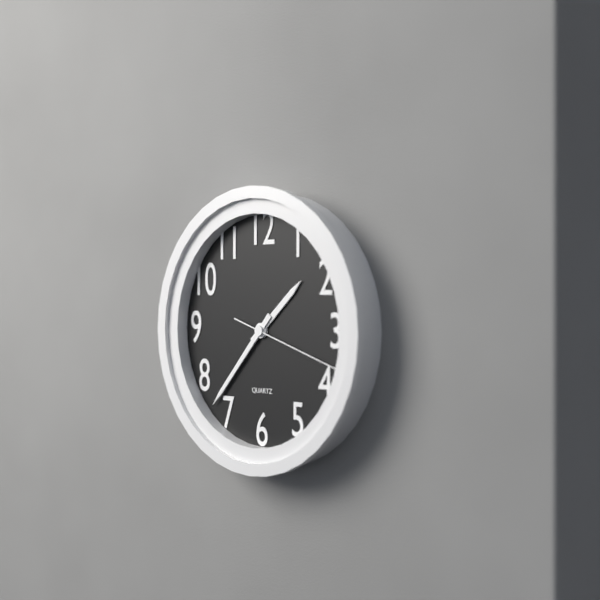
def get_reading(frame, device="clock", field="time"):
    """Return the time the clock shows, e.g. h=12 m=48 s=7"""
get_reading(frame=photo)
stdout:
h=1 m=37 s=18
